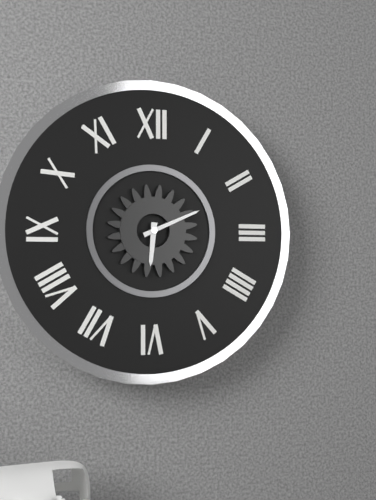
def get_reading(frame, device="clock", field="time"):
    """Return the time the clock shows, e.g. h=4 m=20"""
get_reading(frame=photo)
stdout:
h=6 m=11
